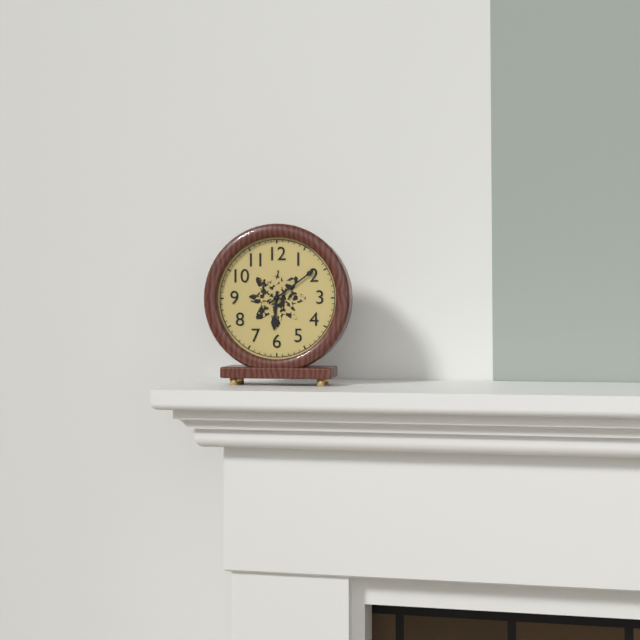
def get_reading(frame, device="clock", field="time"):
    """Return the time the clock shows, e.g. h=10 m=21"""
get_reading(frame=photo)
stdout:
h=6 m=9
